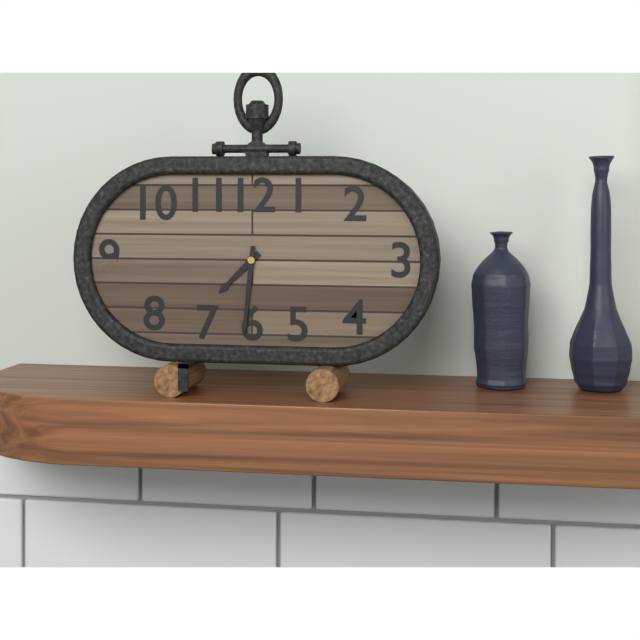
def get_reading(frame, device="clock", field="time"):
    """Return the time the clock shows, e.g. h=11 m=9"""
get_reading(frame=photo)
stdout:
h=7 m=31
